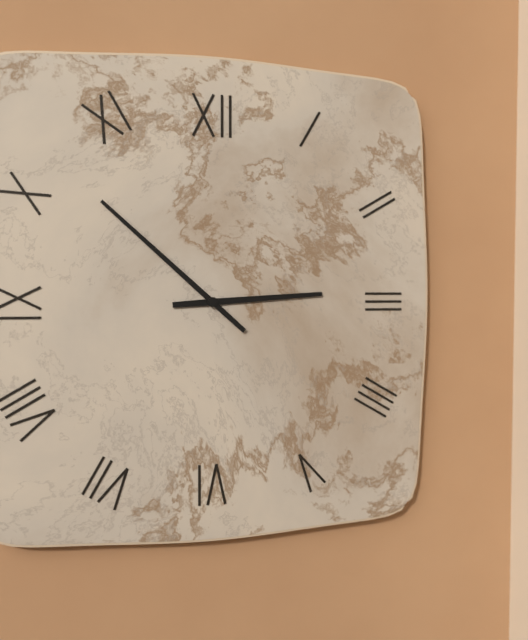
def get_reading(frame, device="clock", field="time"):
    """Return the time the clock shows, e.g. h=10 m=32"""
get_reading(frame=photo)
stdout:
h=2 m=52
